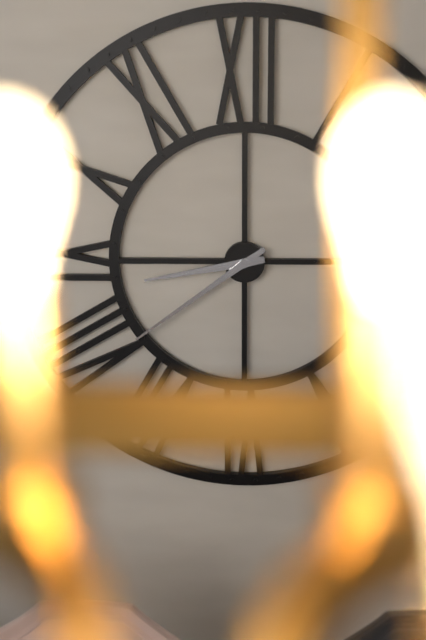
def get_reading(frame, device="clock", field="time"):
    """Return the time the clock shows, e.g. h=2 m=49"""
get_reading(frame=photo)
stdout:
h=8 m=39
